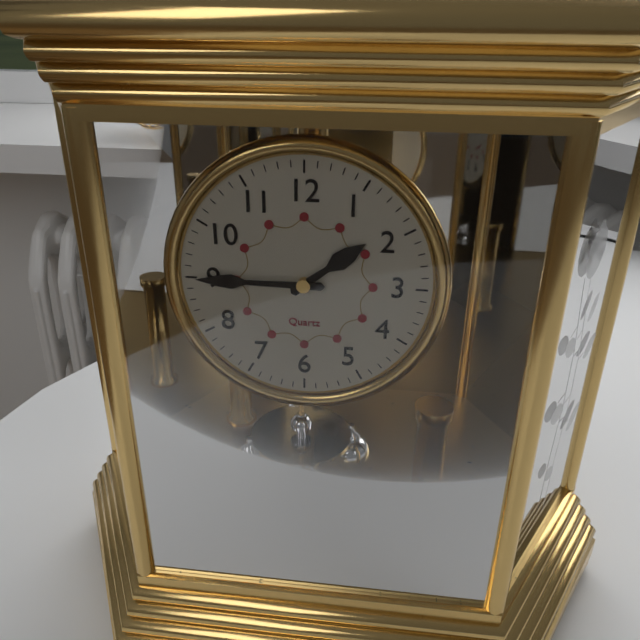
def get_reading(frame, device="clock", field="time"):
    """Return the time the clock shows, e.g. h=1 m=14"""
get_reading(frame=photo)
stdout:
h=1 m=45
